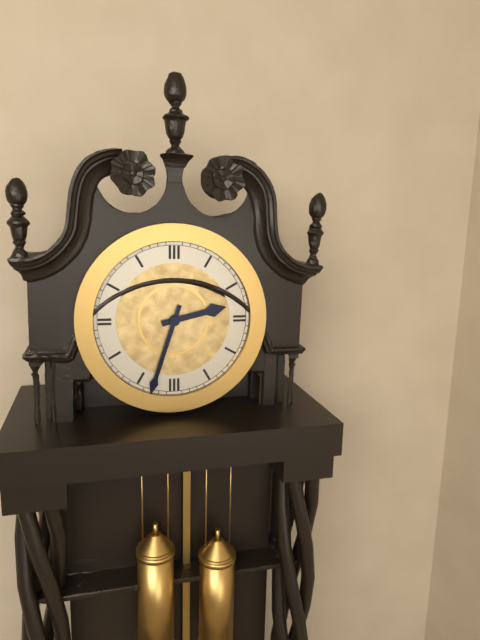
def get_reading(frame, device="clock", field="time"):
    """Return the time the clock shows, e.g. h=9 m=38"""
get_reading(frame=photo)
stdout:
h=2 m=33
